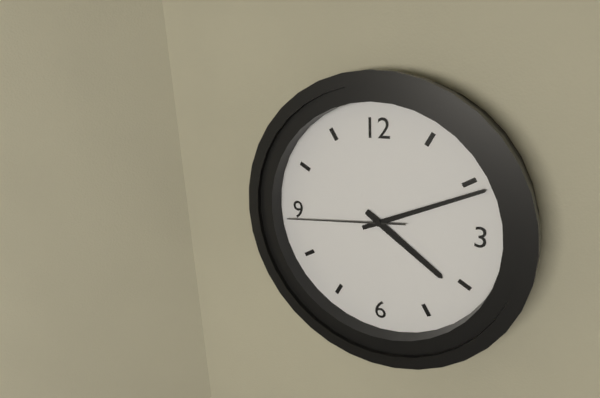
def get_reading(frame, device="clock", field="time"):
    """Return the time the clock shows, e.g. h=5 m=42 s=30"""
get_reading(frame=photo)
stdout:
h=4 m=11 s=44
